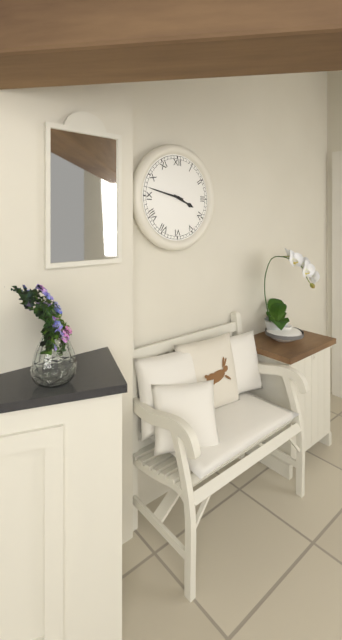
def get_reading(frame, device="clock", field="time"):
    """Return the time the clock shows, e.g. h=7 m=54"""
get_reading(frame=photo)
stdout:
h=3 m=47
